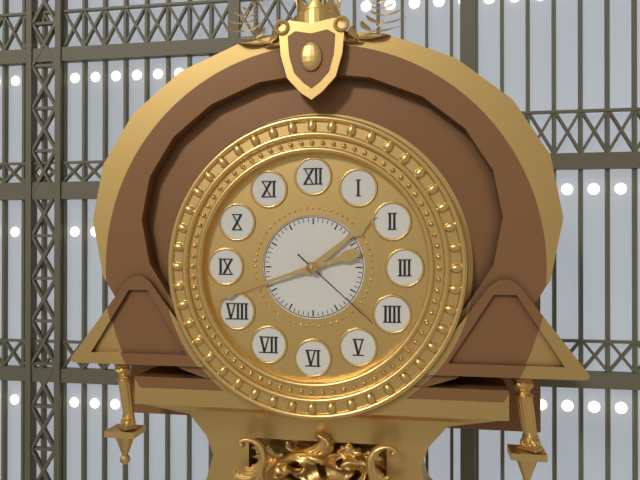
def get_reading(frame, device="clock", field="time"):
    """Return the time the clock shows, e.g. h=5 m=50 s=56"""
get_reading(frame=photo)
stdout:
h=1 m=42 s=22
